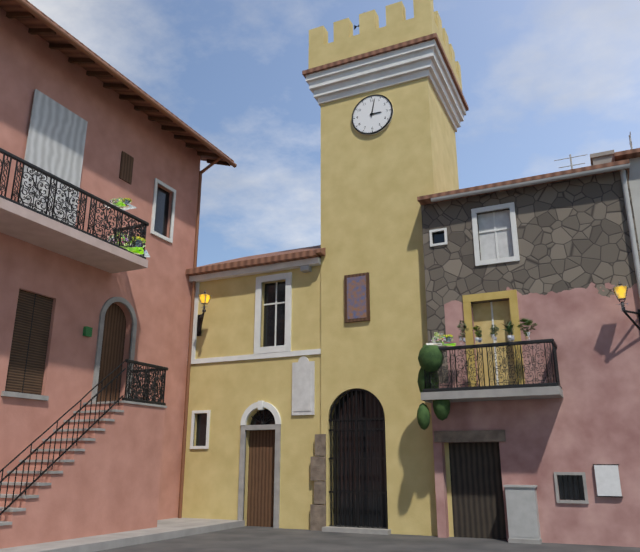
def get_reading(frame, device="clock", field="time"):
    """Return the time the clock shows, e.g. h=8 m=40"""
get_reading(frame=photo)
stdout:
h=3 m=2
